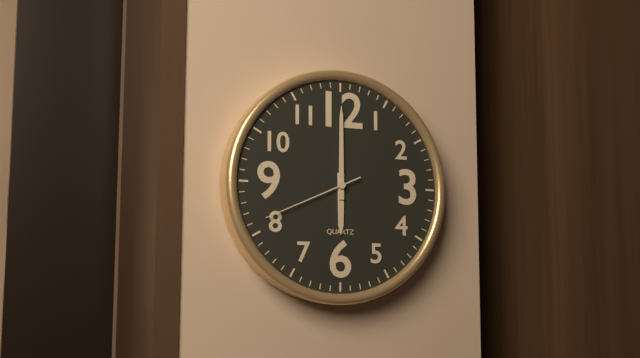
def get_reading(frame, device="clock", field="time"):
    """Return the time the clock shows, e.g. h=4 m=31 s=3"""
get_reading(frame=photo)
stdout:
h=6 m=0 s=41
